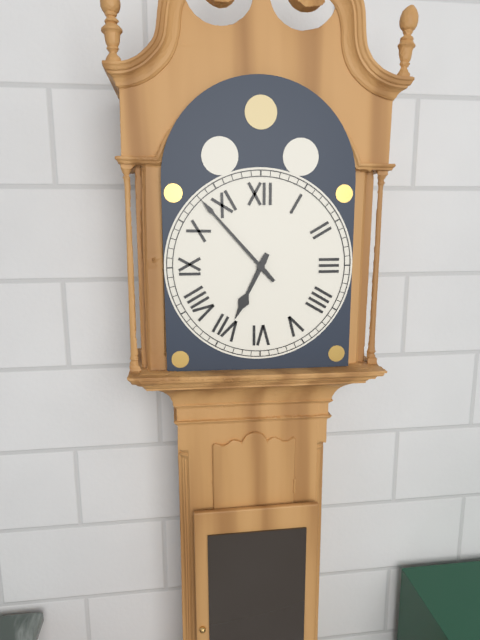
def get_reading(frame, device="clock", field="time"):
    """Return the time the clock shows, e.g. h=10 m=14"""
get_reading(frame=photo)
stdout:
h=6 m=53
